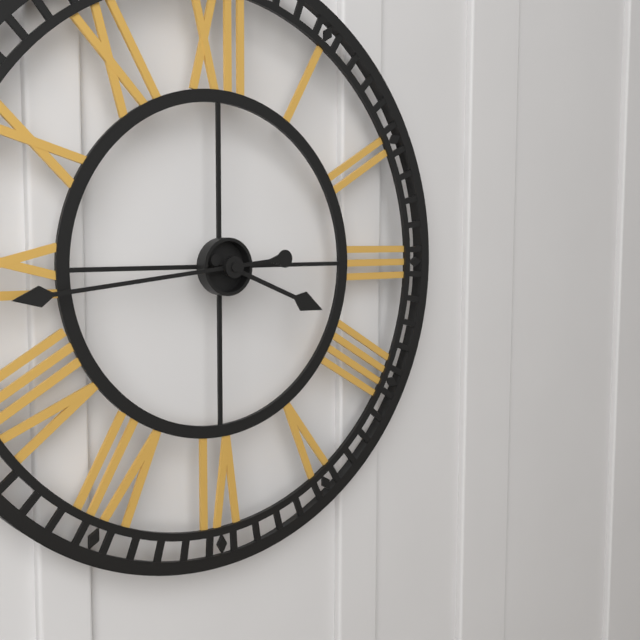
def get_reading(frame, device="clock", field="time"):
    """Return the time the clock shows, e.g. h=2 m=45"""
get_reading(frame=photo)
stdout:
h=3 m=44
